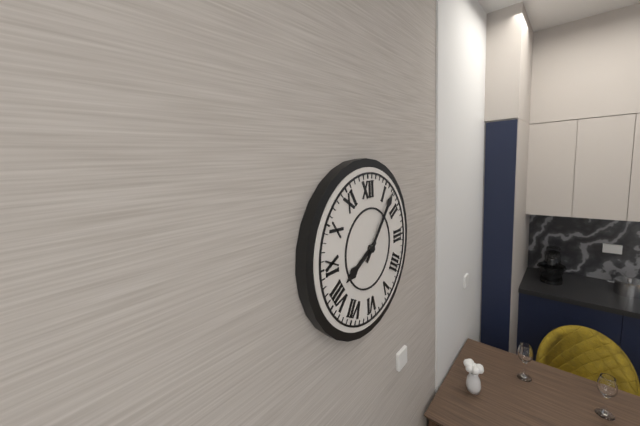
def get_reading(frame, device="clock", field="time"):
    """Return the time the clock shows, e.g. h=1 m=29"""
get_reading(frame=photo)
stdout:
h=8 m=7
